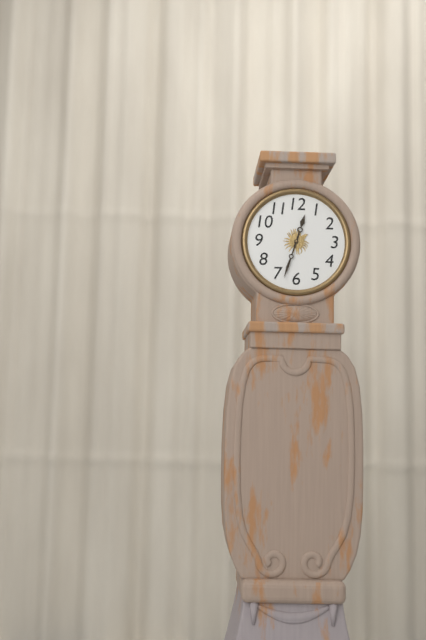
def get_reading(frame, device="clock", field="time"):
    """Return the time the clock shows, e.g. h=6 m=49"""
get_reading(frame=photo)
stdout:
h=12 m=33
